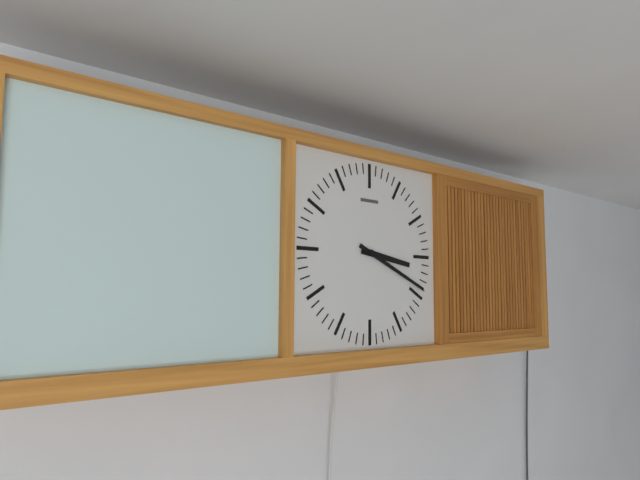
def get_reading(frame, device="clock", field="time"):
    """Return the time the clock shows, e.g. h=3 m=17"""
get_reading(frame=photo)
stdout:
h=3 m=19
